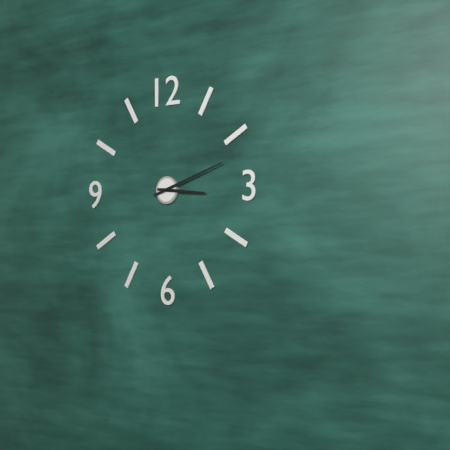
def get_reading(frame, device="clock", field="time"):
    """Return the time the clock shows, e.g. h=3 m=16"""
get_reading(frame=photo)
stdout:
h=3 m=12
